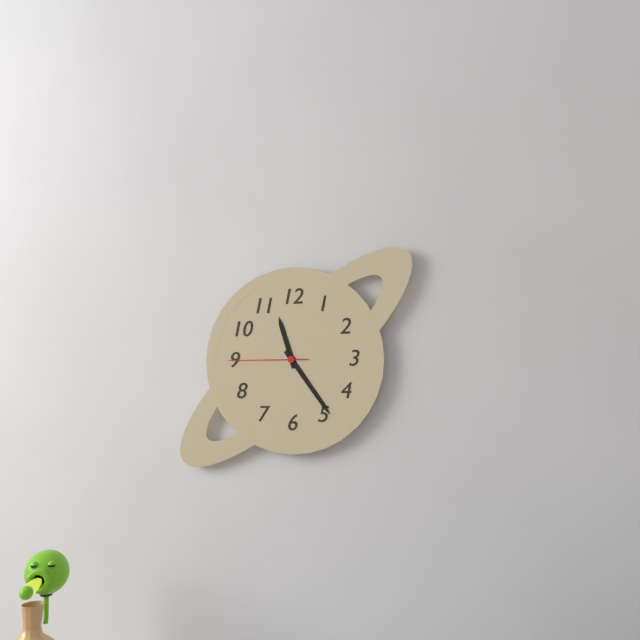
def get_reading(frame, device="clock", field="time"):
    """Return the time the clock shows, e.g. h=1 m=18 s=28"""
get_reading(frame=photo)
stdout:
h=11 m=24 s=45
